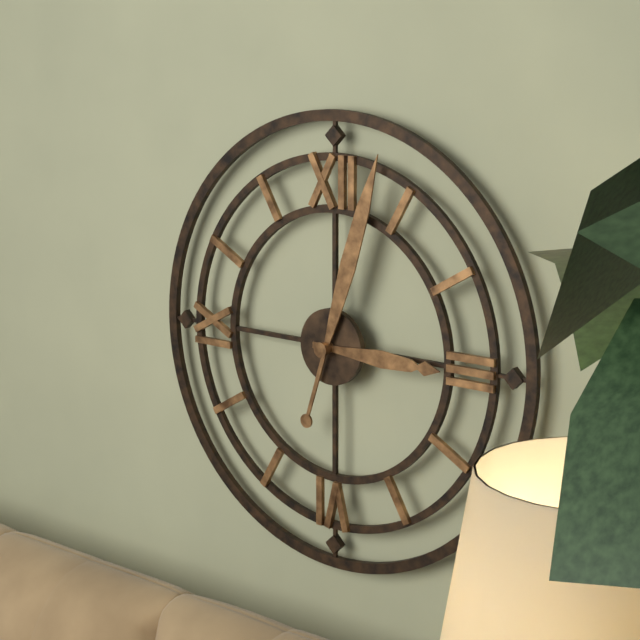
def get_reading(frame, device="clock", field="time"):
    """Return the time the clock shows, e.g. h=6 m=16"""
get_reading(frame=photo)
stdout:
h=3 m=3
